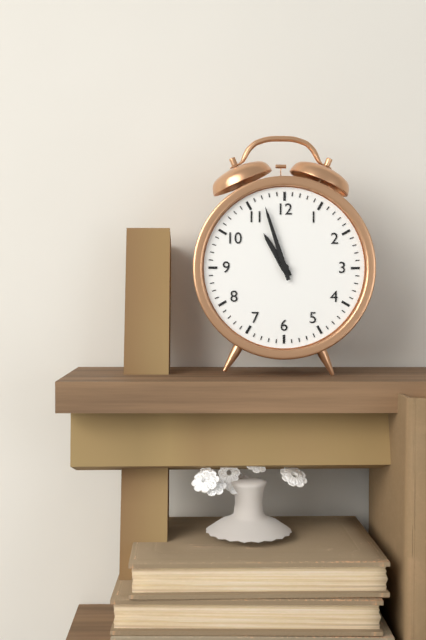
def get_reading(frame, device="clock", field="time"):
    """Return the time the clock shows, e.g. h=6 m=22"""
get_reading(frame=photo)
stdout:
h=10 m=57
